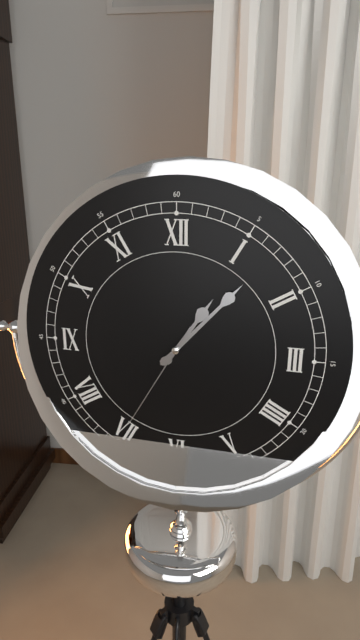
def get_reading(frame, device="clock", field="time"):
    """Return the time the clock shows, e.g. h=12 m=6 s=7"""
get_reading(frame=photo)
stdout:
h=1 m=7 s=35
